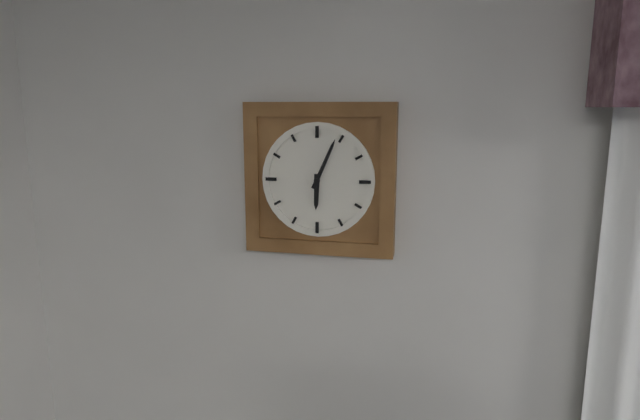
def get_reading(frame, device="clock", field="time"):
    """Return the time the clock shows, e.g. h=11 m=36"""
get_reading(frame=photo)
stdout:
h=6 m=4
